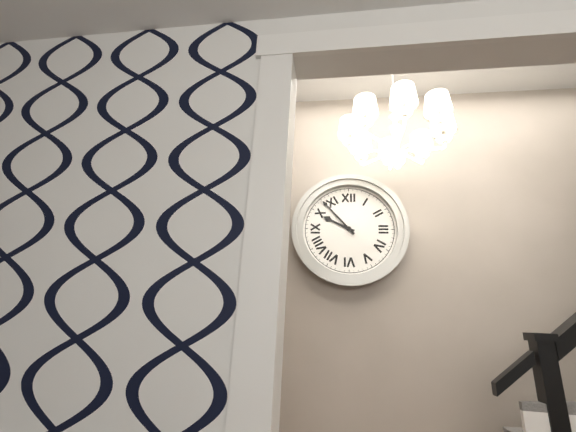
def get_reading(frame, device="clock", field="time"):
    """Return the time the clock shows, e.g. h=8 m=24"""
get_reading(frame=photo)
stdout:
h=9 m=53
